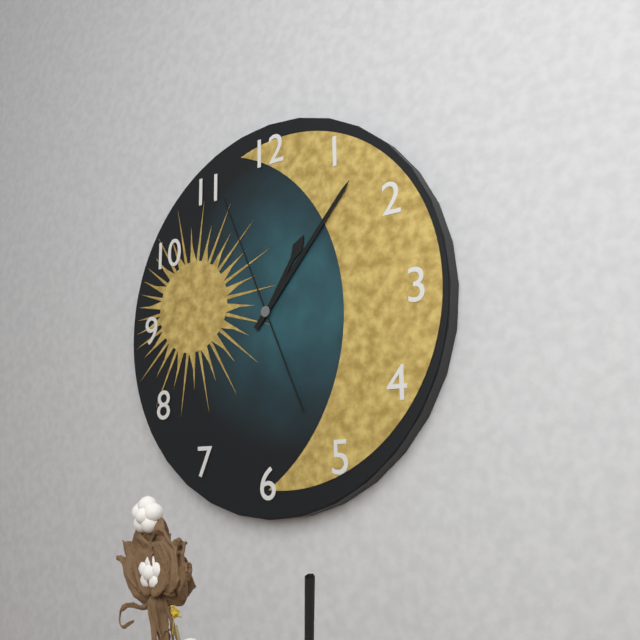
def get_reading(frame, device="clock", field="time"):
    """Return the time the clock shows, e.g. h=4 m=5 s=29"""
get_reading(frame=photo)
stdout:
h=1 m=7 s=56
